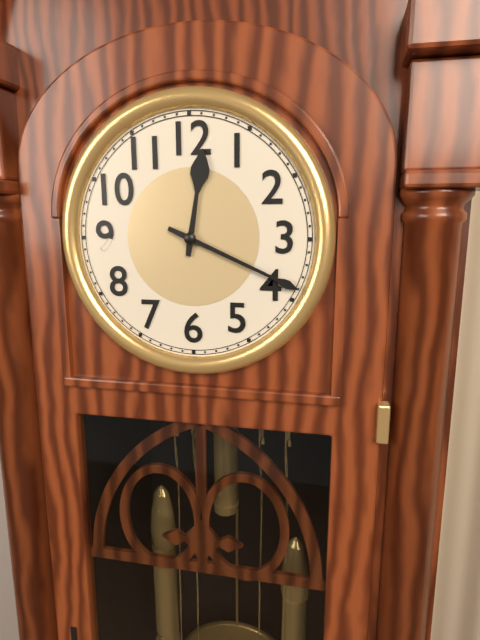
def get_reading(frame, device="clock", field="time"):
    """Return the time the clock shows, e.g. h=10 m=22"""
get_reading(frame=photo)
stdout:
h=12 m=19
